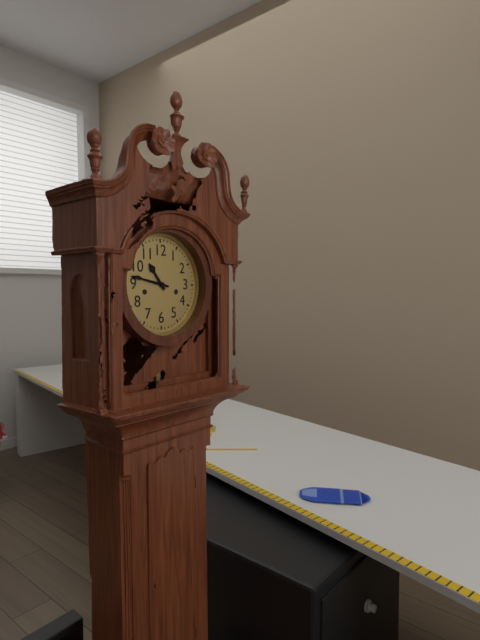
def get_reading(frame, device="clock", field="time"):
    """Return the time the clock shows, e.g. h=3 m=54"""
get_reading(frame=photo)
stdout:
h=10 m=47
